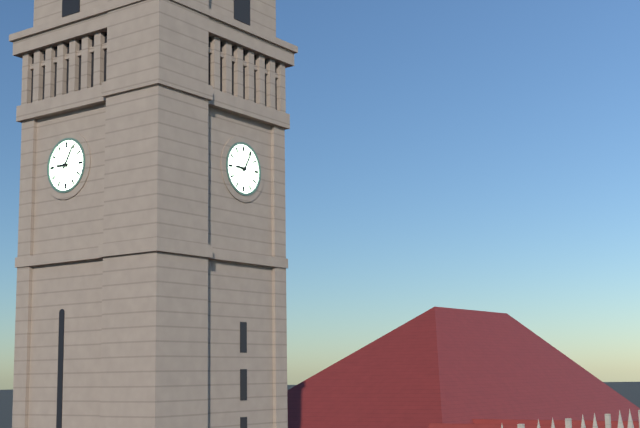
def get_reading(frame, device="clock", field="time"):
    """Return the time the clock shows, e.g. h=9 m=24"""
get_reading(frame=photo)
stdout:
h=9 m=5
